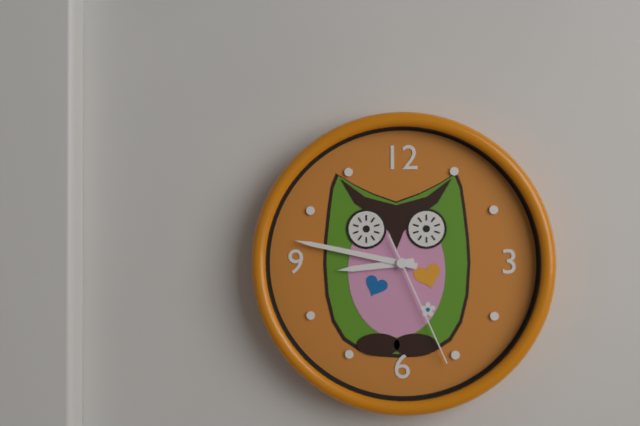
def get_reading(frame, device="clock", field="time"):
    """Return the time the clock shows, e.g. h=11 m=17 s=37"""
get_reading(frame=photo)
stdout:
h=8 m=47 s=26
